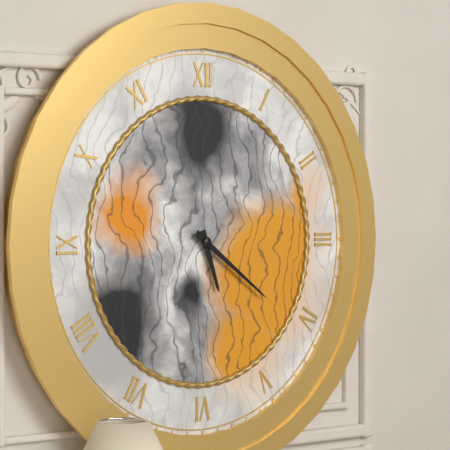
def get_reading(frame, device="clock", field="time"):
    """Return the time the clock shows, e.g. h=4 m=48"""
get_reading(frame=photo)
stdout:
h=5 m=21
